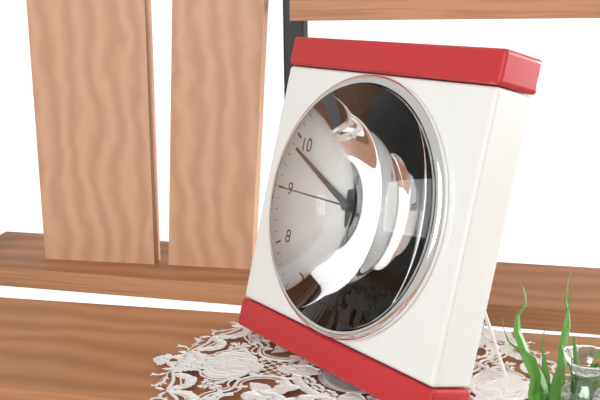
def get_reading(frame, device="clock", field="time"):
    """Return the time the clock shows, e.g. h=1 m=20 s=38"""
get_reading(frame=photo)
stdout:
h=5 m=49 s=45
